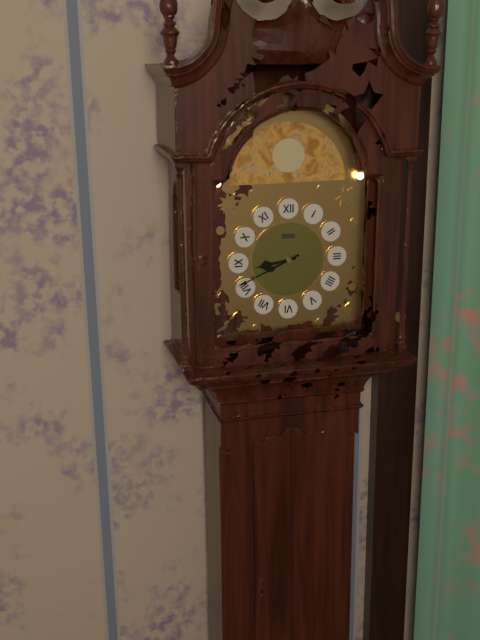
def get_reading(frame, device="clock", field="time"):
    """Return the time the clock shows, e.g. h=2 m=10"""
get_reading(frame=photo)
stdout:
h=8 m=41
